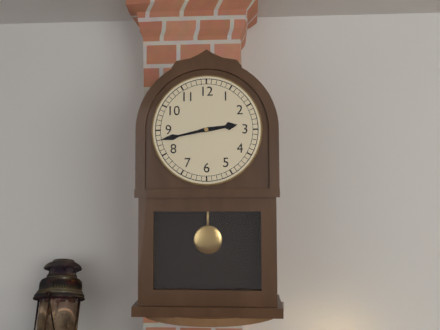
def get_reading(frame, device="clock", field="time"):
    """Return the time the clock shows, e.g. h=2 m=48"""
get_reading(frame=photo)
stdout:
h=2 m=43
